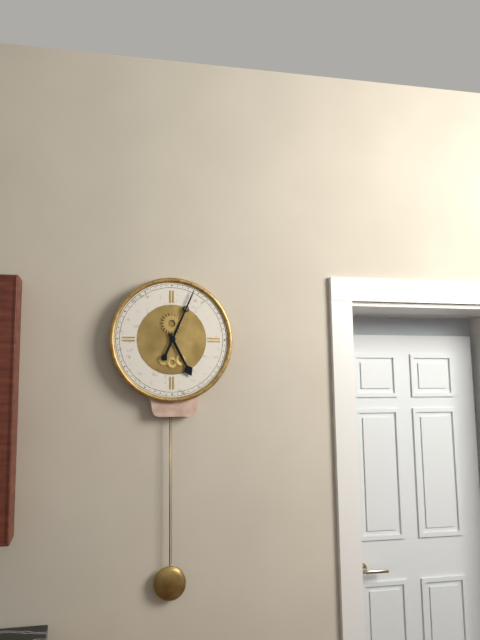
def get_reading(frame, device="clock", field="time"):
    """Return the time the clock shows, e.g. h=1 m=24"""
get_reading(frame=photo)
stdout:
h=5 m=4
